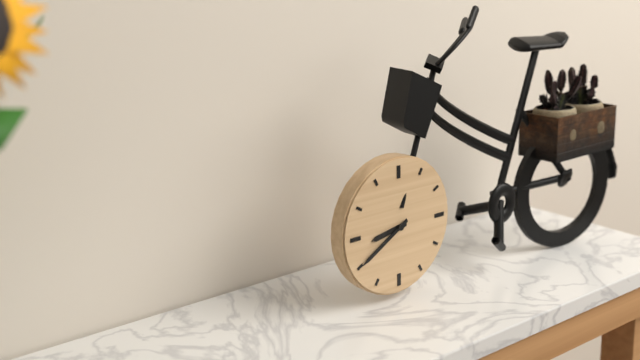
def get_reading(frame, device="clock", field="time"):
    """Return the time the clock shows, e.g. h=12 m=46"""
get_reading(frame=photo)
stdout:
h=8 m=40
